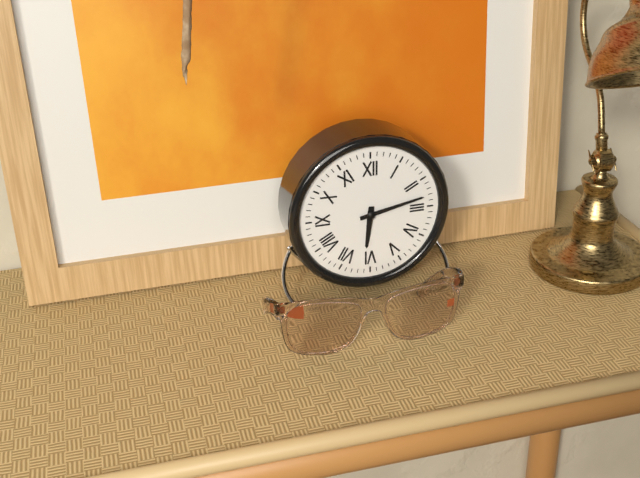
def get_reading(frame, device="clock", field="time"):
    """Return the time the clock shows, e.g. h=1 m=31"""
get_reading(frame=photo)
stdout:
h=6 m=13
